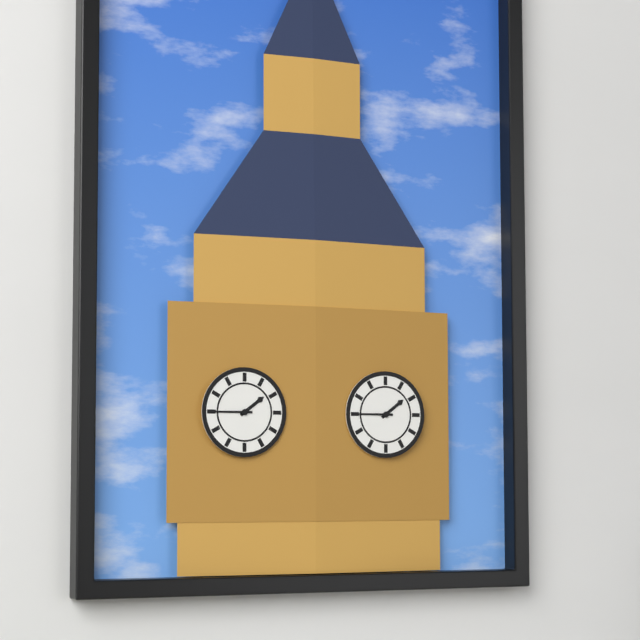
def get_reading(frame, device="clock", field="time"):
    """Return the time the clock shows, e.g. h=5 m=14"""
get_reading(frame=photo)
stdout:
h=1 m=45
